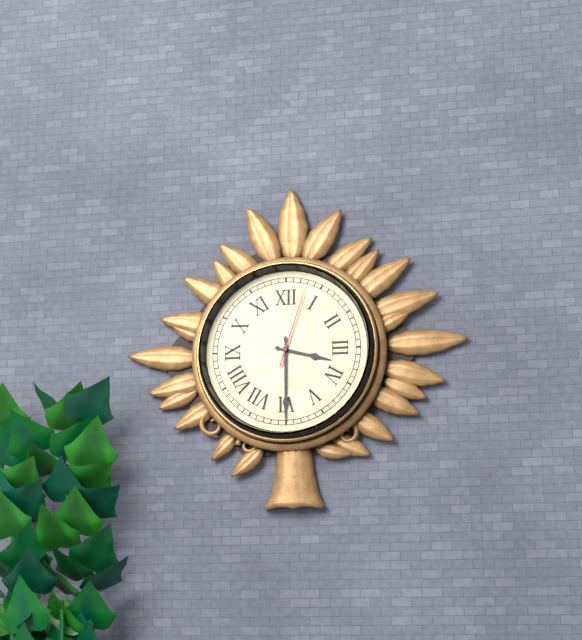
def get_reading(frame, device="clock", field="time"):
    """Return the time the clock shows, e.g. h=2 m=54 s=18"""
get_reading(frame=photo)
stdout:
h=3 m=30 s=3
